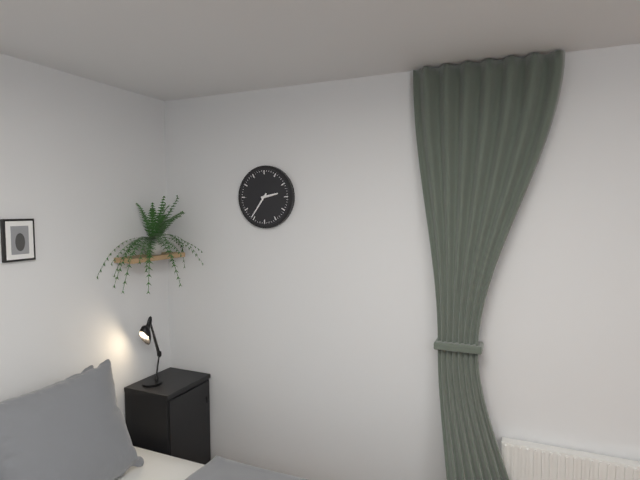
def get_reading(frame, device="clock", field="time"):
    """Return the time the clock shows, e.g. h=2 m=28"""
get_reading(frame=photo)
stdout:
h=2 m=36
